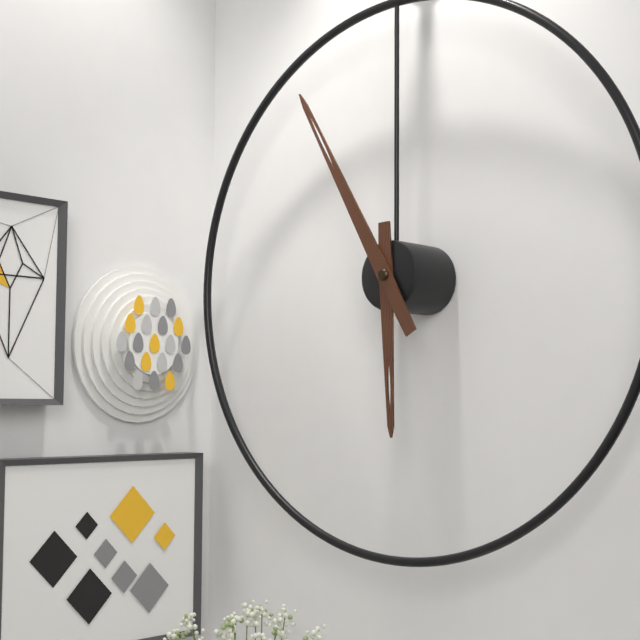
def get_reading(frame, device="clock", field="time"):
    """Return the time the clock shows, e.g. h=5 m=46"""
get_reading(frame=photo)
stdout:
h=5 m=55
